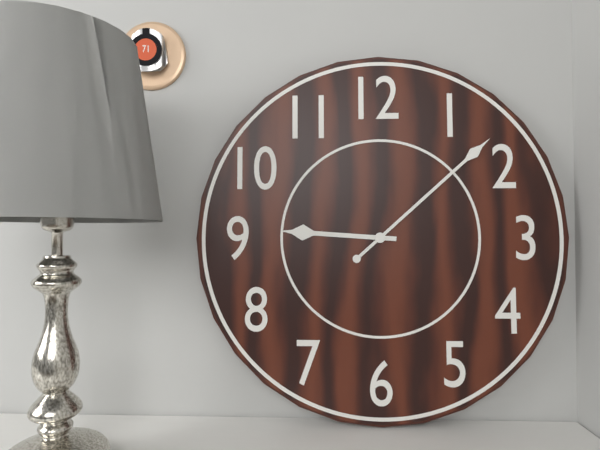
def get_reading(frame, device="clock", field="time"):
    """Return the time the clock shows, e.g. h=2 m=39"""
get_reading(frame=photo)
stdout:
h=9 m=8
